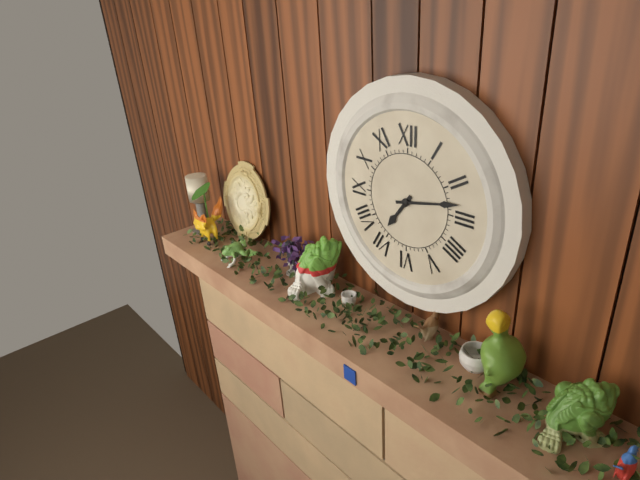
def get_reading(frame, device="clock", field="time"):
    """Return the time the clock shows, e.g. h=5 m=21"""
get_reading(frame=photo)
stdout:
h=7 m=13
